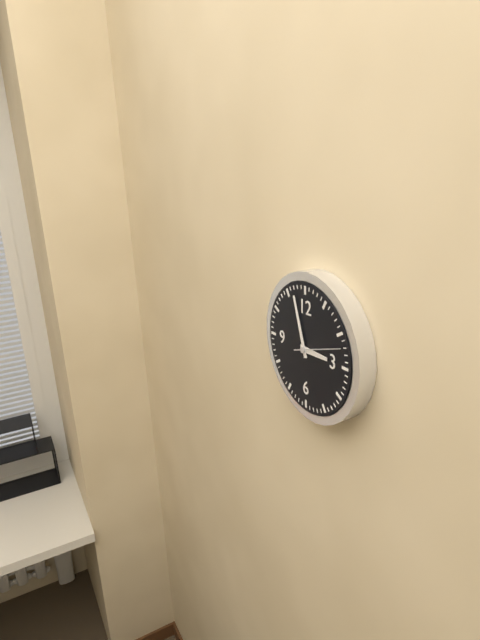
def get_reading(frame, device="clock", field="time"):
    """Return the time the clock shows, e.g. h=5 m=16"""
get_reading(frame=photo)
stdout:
h=2 m=57
